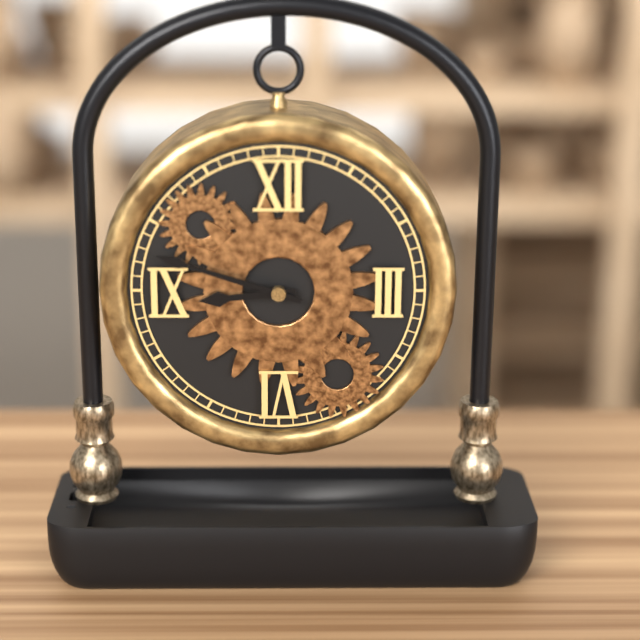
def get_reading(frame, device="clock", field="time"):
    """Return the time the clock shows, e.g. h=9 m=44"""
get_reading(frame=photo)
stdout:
h=8 m=48
